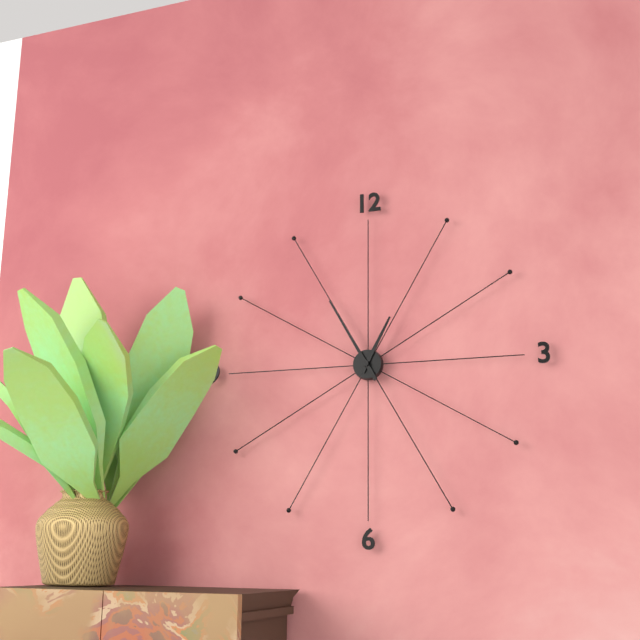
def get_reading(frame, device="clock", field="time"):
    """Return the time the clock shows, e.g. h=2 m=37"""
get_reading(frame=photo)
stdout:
h=12 m=55
